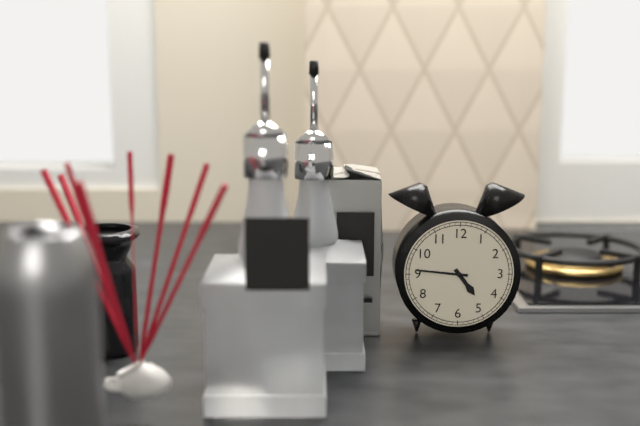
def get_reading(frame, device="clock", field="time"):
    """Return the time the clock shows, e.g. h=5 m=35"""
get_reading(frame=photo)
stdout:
h=4 m=46
